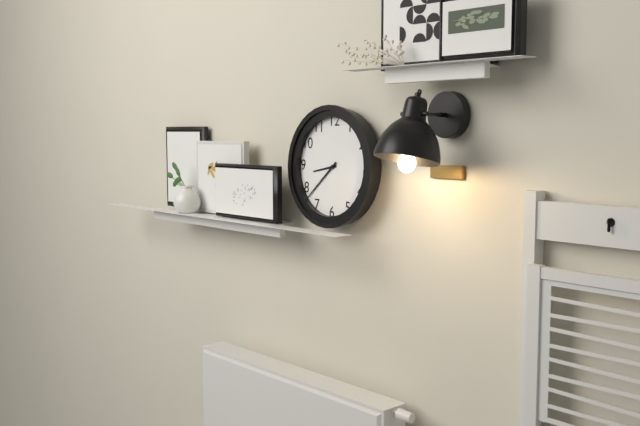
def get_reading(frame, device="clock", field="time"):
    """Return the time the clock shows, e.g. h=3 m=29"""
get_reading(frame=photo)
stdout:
h=8 m=38
